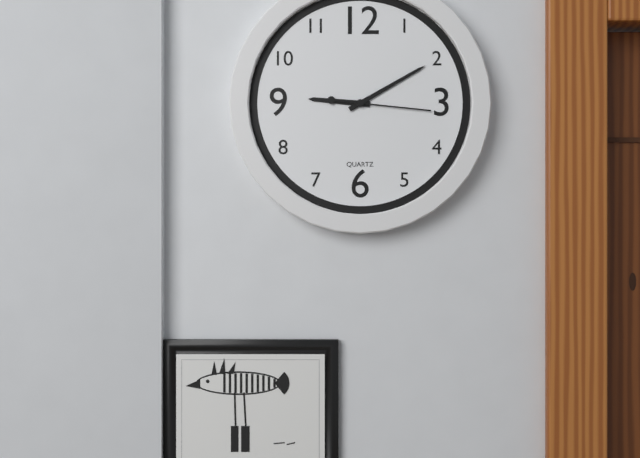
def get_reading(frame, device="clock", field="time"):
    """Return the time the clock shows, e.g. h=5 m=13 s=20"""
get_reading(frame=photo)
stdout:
h=9 m=10 s=16
